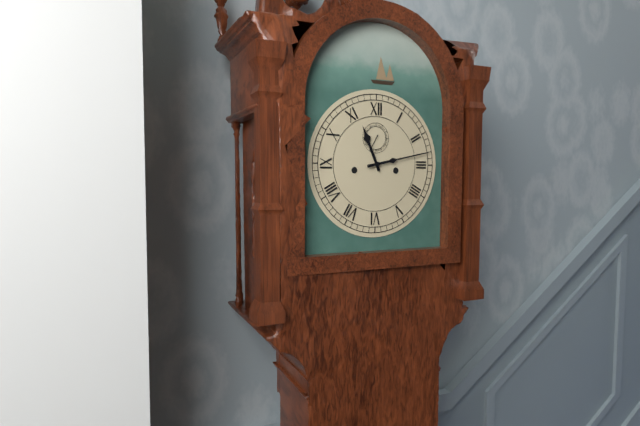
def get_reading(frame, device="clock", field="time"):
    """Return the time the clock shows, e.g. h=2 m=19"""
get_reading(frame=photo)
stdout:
h=11 m=13
